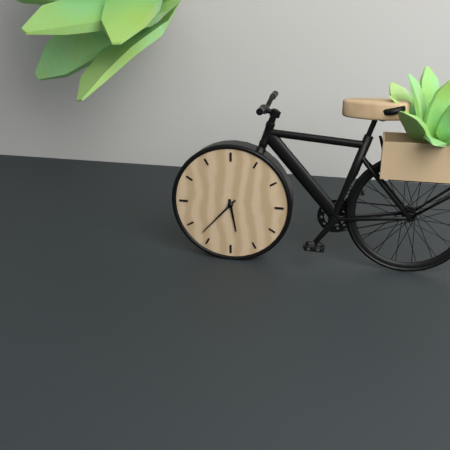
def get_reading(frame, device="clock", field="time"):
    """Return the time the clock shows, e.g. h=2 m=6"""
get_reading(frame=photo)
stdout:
h=5 m=37
